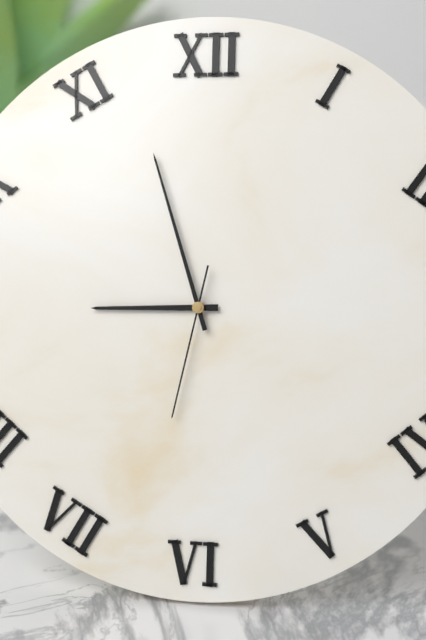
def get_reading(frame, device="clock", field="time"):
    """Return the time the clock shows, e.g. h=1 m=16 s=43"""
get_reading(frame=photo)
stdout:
h=8 m=57 s=32
